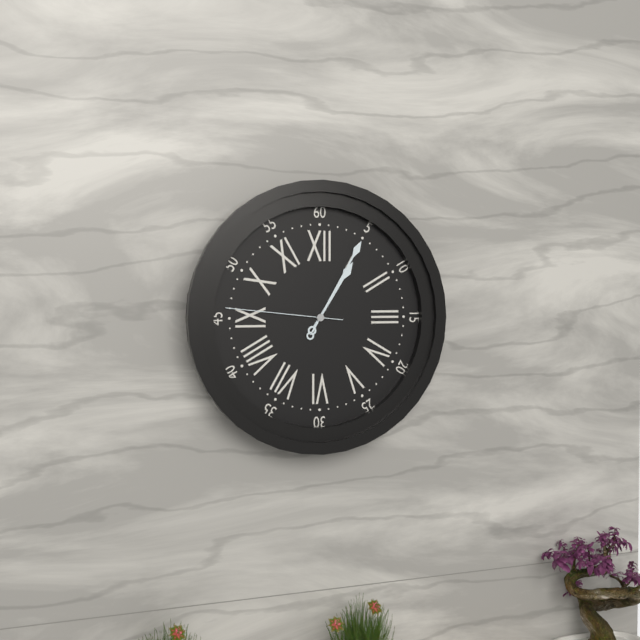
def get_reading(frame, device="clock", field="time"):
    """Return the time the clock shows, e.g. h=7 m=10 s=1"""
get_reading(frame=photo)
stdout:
h=1 m=5 s=46
